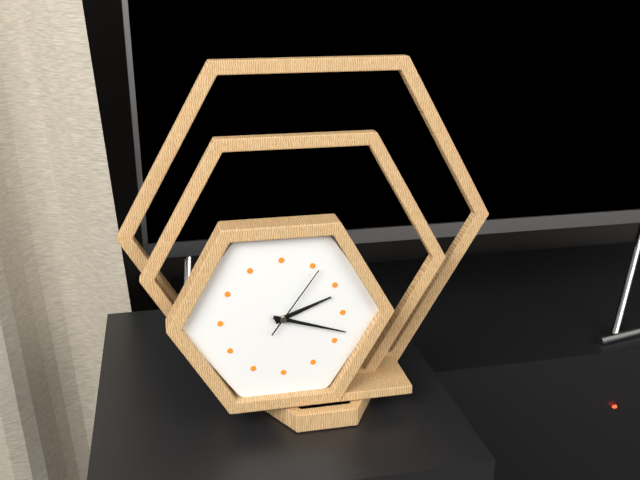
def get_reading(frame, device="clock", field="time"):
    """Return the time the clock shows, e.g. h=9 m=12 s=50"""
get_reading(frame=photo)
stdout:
h=2 m=18 s=6
